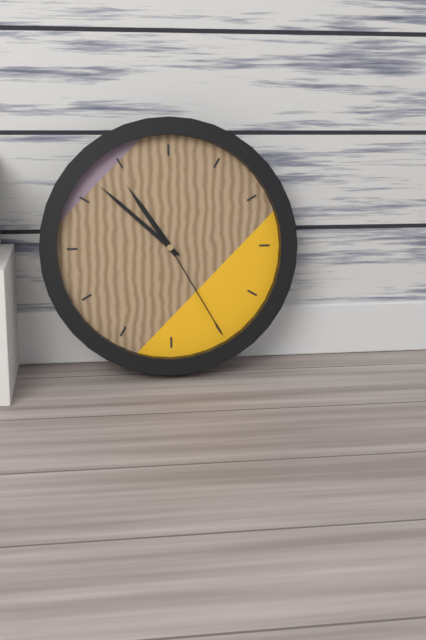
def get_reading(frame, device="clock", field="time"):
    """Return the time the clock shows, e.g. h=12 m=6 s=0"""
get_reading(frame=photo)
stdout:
h=10 m=52 s=25
